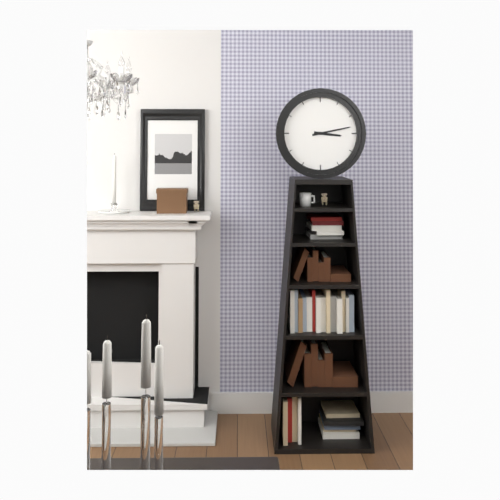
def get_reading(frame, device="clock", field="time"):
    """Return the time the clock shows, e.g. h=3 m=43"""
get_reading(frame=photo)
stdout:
h=3 m=13
